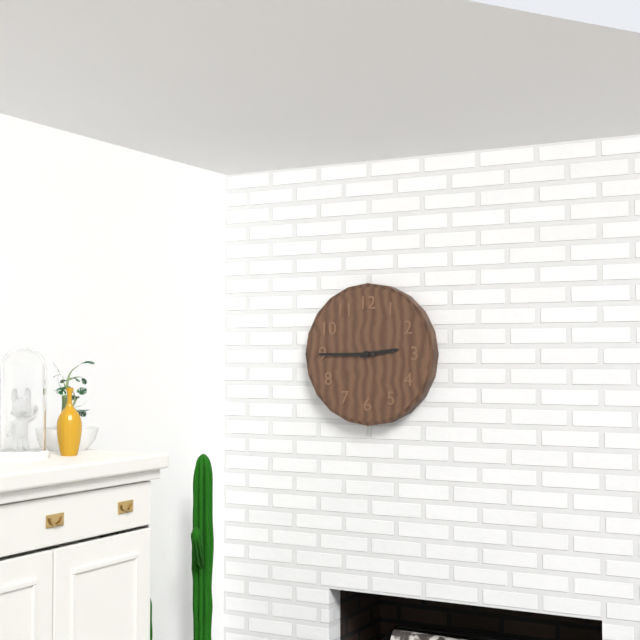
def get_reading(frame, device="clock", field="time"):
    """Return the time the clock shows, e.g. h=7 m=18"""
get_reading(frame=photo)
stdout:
h=2 m=45
